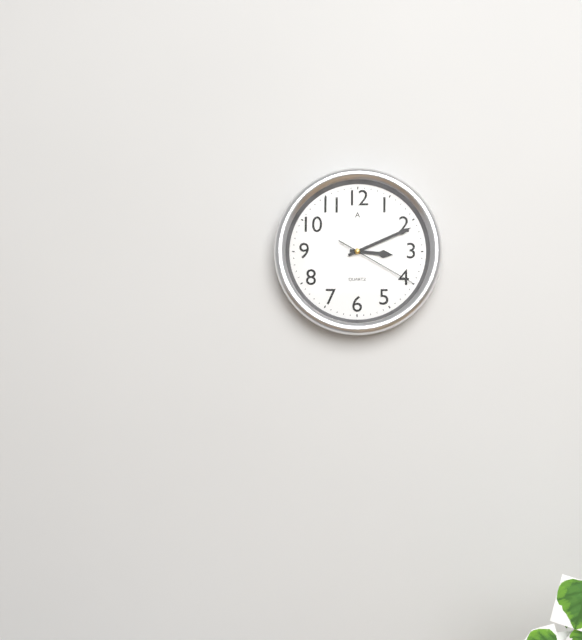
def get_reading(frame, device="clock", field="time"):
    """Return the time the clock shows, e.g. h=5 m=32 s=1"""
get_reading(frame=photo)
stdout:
h=3 m=11 s=20
